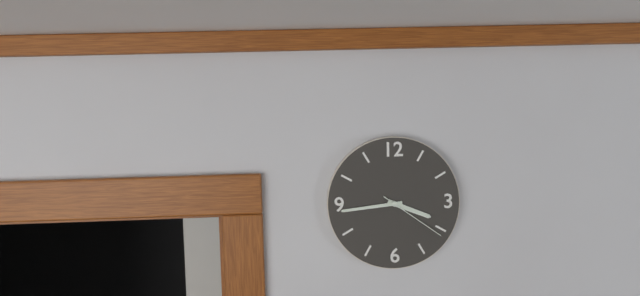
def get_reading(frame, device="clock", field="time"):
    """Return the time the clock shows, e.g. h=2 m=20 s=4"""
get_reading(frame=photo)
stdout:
h=3 m=44 s=21
